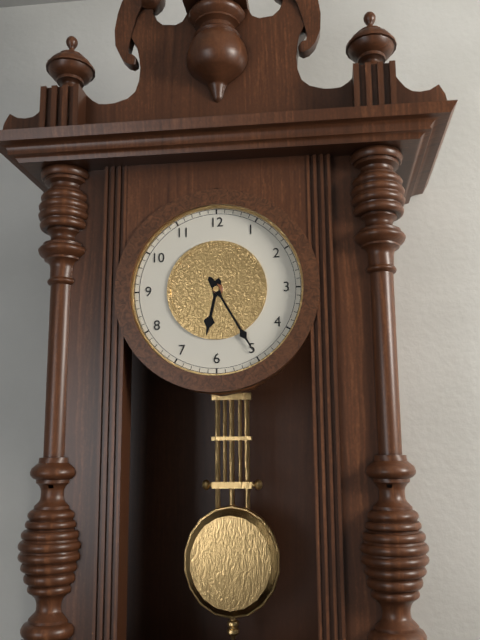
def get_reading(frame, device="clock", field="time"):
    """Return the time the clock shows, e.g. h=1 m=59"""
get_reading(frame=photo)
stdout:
h=6 m=25
